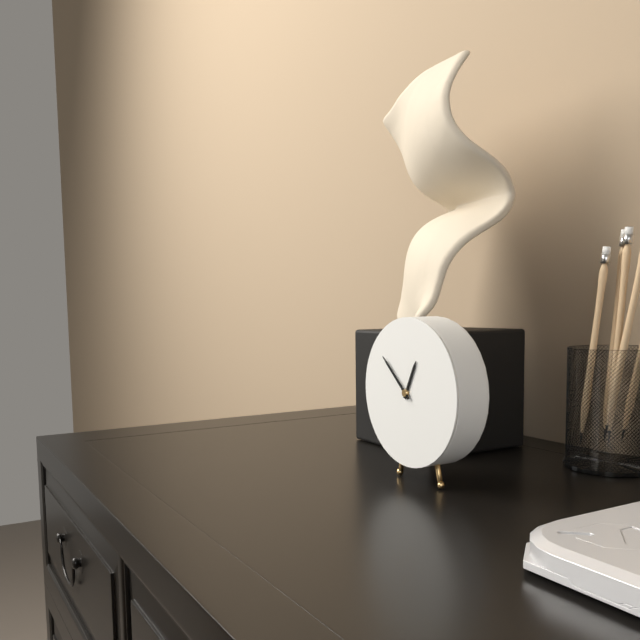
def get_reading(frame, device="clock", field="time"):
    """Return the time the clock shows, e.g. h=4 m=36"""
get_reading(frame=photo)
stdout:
h=12 m=52
